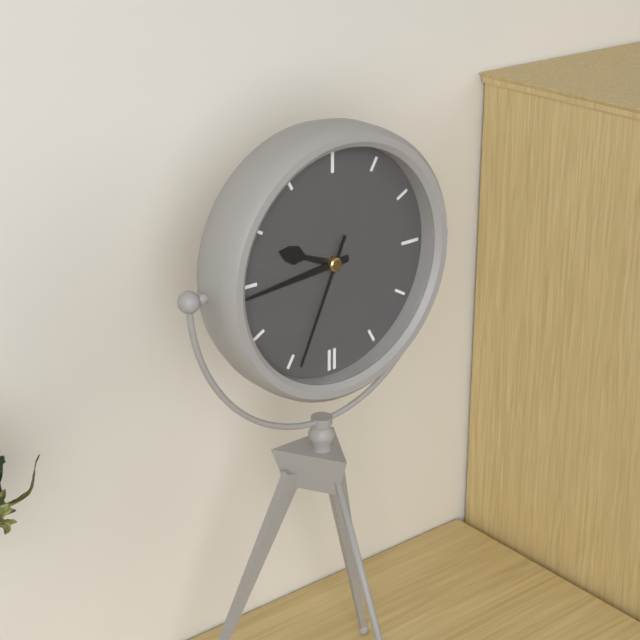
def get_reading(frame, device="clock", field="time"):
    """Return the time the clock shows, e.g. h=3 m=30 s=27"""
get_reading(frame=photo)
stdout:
h=9 m=44 s=34
